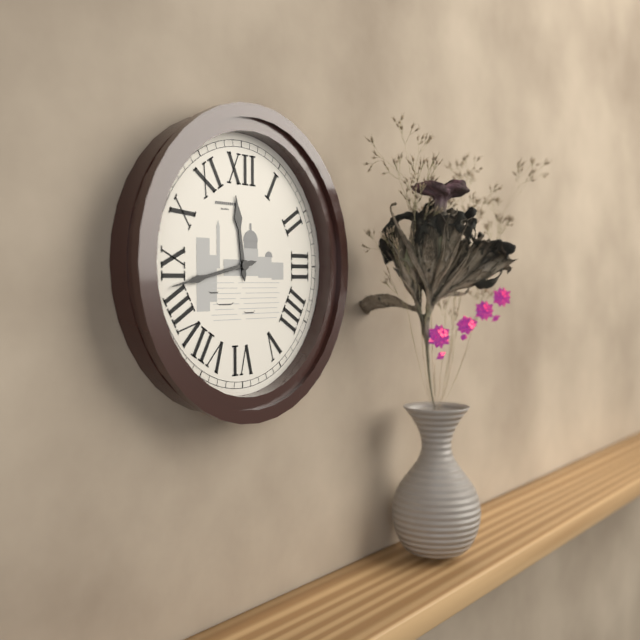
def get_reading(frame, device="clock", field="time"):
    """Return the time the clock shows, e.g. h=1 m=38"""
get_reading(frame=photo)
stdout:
h=11 m=43
